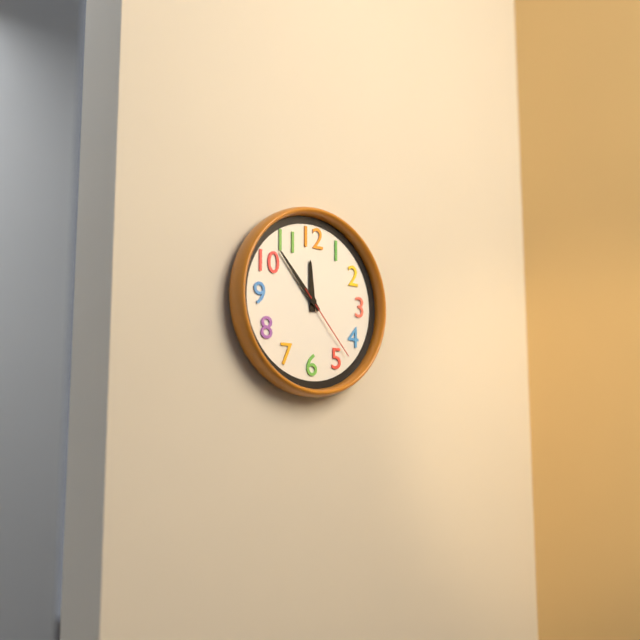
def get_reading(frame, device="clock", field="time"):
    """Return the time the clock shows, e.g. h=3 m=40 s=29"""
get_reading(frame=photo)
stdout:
h=11 m=53 s=23
